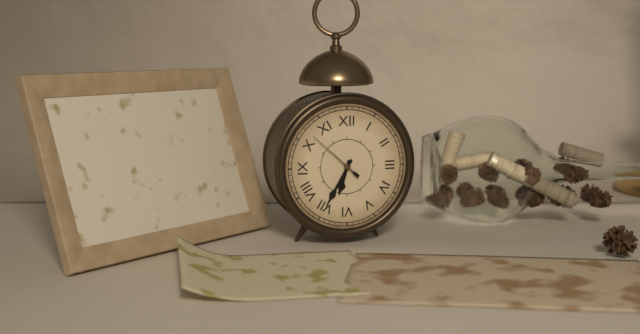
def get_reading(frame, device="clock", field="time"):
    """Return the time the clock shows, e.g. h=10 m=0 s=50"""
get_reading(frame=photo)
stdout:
h=6 m=35 s=52
